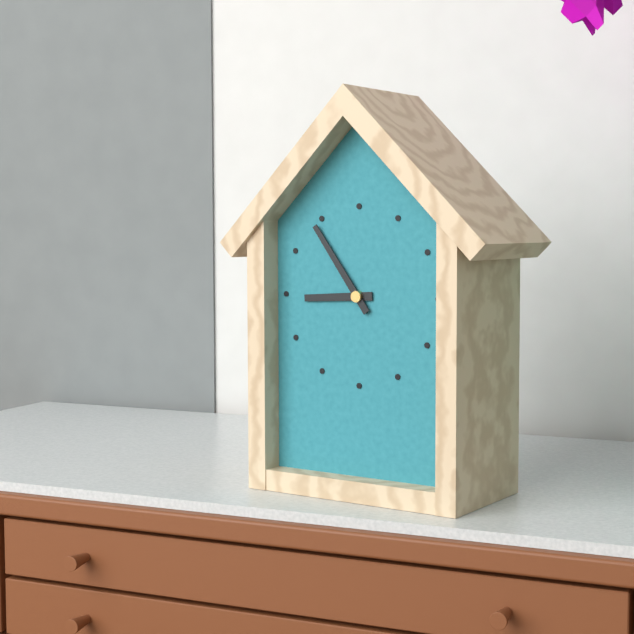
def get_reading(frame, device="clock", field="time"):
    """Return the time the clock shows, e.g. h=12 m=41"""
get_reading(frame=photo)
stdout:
h=8 m=54
